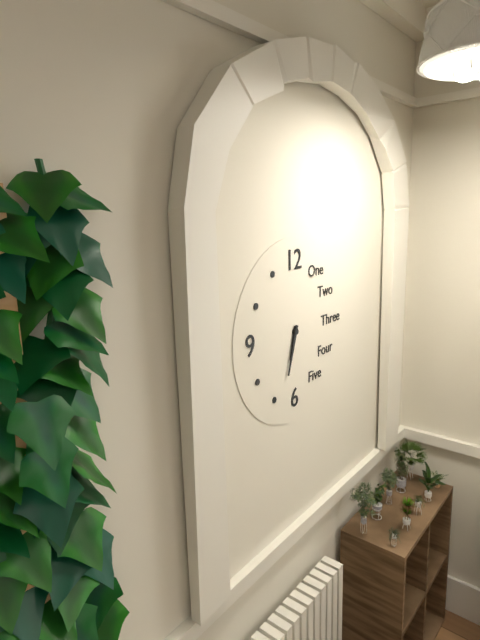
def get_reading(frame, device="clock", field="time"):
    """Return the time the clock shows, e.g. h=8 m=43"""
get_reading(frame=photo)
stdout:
h=6 m=33
